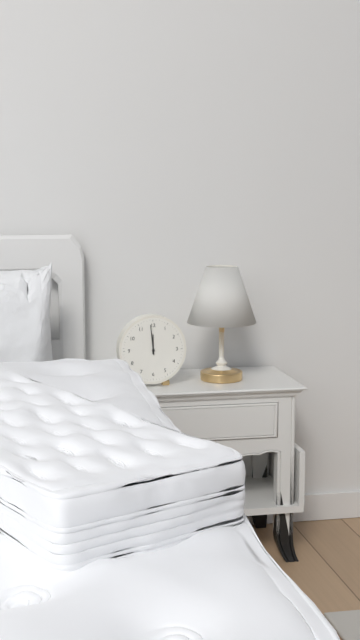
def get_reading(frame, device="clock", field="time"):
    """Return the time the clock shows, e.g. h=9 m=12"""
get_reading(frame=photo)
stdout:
h=11 m=59
